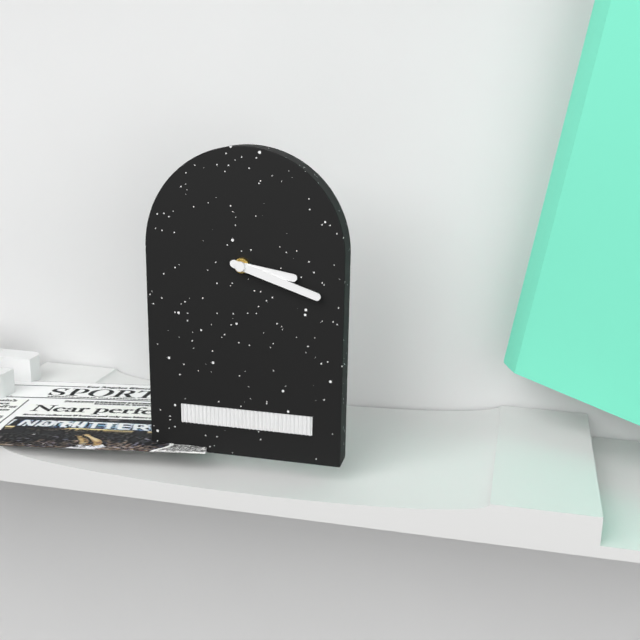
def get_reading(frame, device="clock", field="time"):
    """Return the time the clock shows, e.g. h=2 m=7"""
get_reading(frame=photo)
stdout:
h=3 m=18
